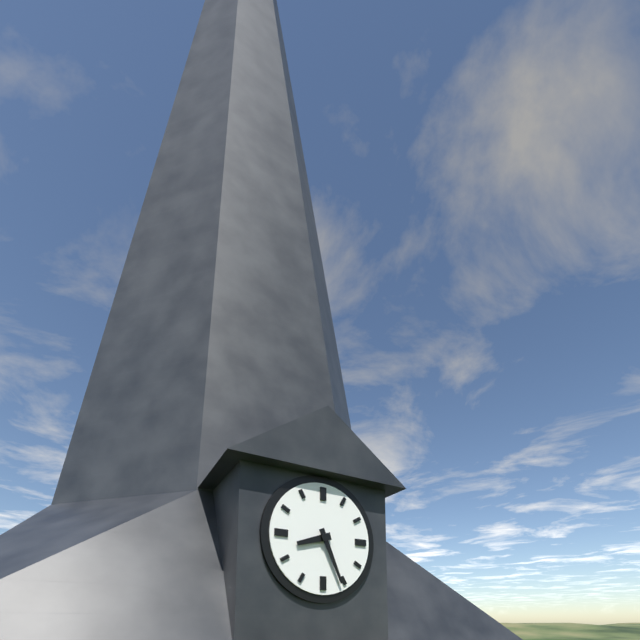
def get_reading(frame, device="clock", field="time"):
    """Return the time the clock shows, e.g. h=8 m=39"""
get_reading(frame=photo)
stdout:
h=8 m=26
